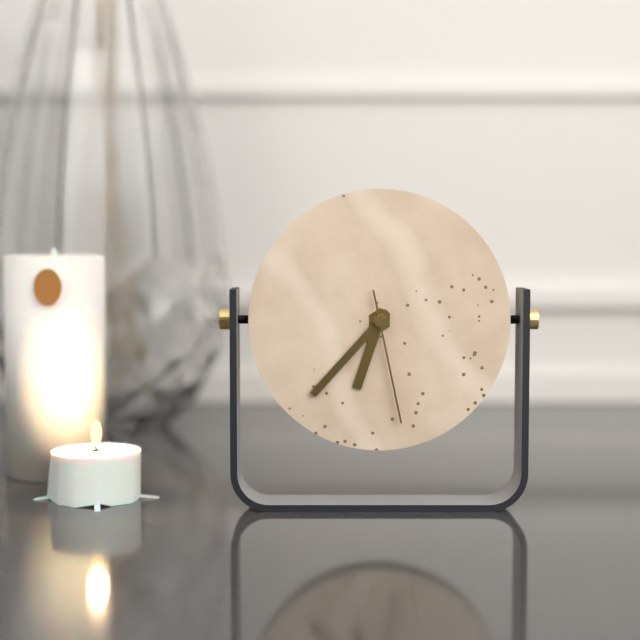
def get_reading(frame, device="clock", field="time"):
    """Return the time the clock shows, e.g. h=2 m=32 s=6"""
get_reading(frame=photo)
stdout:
h=6 m=37 s=28
